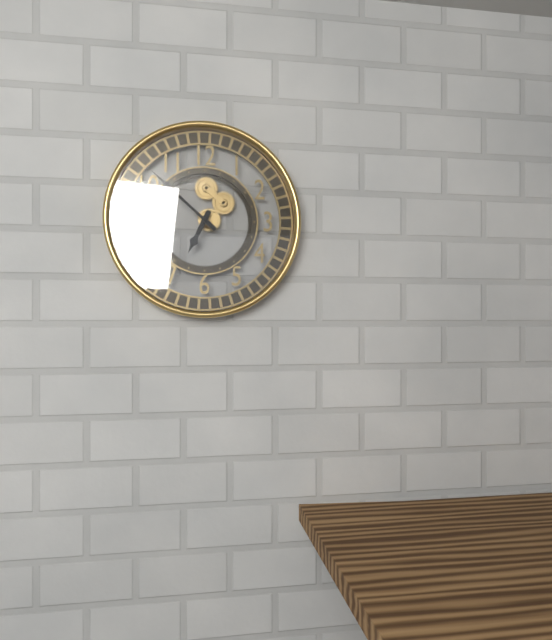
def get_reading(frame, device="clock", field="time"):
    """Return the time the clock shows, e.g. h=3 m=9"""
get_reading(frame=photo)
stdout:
h=6 m=52
